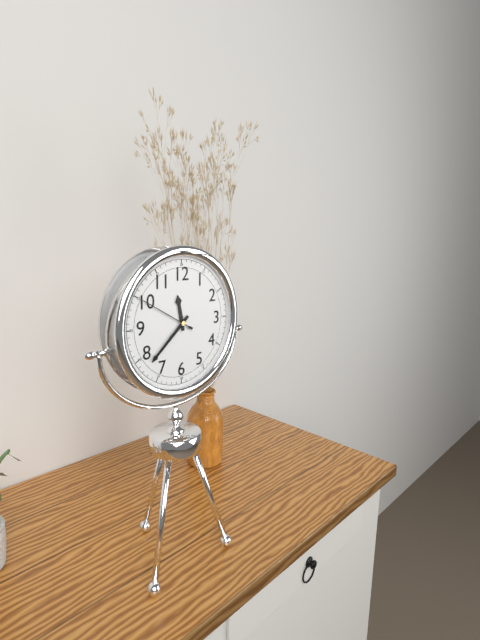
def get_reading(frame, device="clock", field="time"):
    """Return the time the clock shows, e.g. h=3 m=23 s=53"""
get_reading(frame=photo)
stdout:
h=11 m=38 s=50
